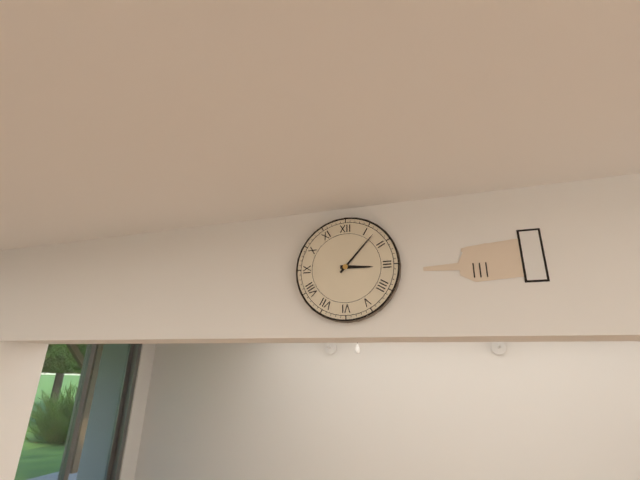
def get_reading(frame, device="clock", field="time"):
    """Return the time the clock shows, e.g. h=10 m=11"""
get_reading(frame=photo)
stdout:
h=3 m=7
